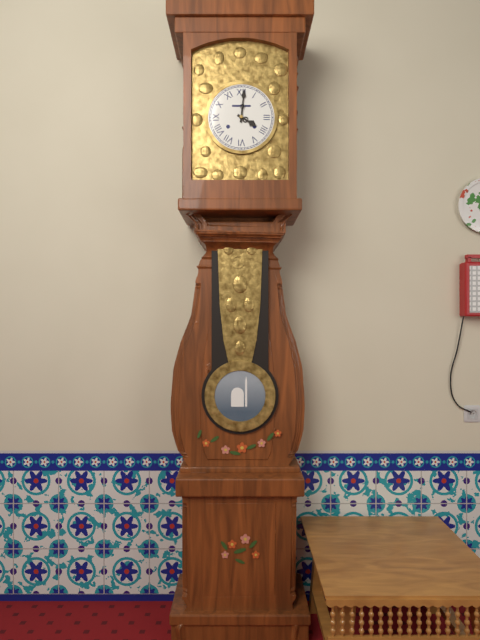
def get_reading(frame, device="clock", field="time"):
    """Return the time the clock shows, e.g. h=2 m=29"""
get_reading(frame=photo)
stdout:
h=4 m=1
